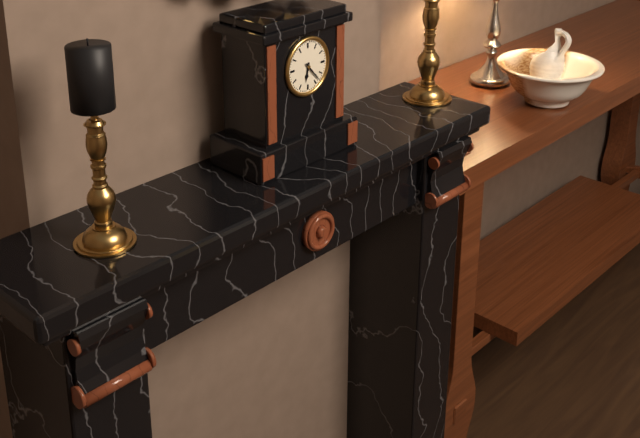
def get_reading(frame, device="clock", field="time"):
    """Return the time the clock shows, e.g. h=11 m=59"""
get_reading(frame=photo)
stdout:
h=6 m=23
